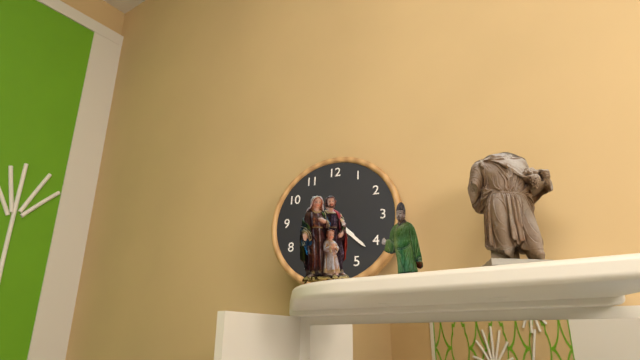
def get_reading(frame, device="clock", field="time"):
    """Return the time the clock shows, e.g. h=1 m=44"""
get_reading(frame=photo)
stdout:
h=4 m=22
